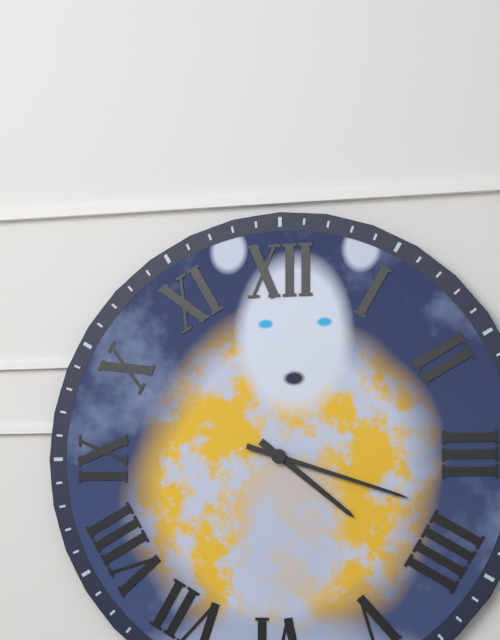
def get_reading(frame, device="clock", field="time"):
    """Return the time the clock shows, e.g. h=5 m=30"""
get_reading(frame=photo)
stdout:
h=4 m=18
